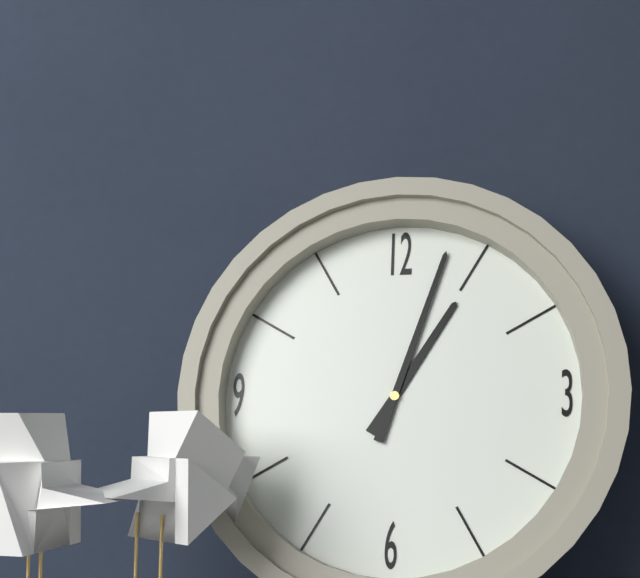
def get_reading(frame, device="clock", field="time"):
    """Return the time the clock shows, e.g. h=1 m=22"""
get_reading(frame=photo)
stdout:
h=1 m=3
